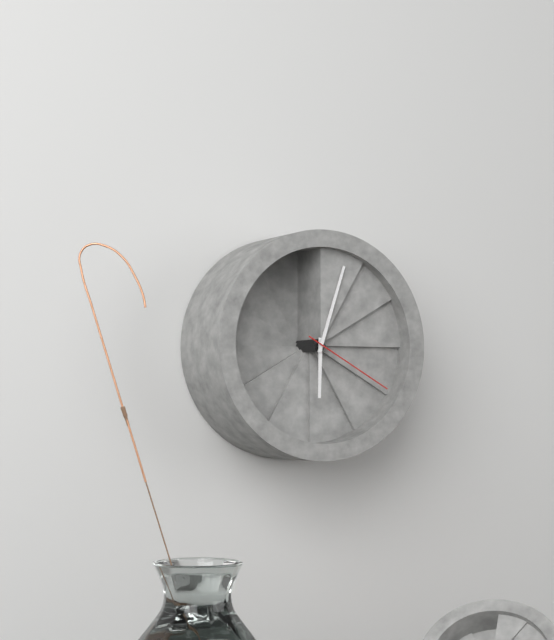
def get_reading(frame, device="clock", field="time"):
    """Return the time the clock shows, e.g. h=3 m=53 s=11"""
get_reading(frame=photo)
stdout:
h=6 m=3 s=20
